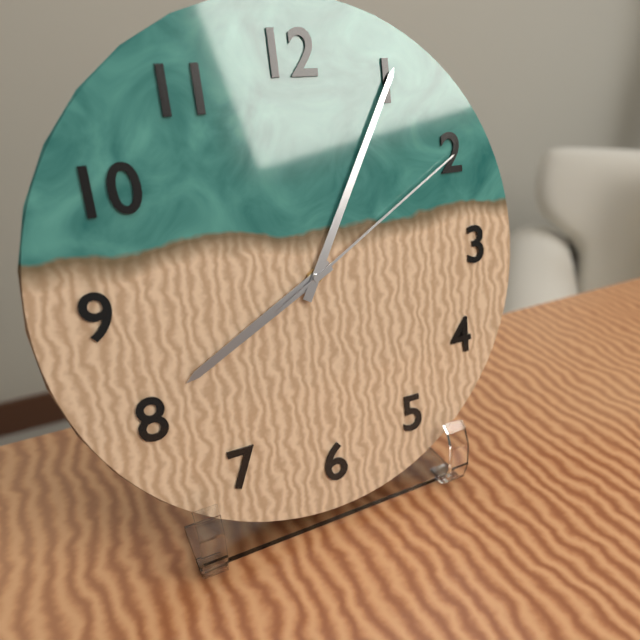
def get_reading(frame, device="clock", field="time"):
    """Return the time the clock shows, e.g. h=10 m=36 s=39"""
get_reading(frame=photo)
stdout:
h=8 m=5 s=10
